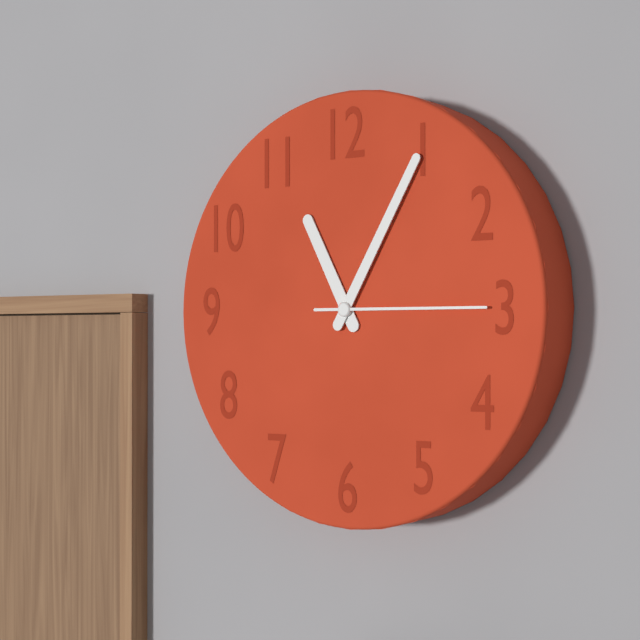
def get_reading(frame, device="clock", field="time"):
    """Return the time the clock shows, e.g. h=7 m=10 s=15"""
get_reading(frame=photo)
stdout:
h=11 m=5 s=15
